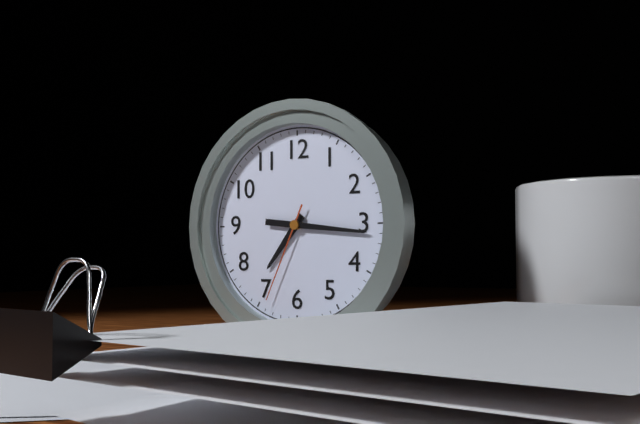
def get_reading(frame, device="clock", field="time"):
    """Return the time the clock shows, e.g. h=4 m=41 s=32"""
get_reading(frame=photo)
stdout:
h=7 m=16 s=34
